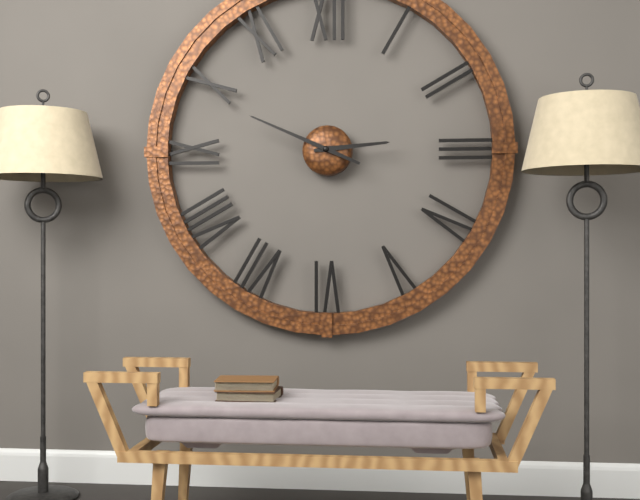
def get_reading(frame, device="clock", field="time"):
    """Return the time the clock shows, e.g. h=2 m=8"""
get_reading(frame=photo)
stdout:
h=2 m=49
